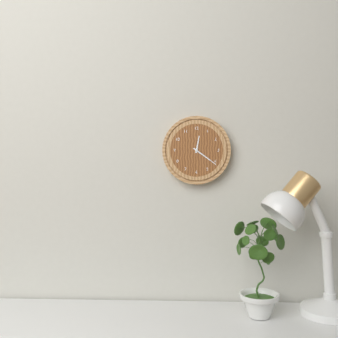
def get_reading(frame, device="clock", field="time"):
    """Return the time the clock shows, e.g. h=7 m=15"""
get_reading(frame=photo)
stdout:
h=12 m=21
